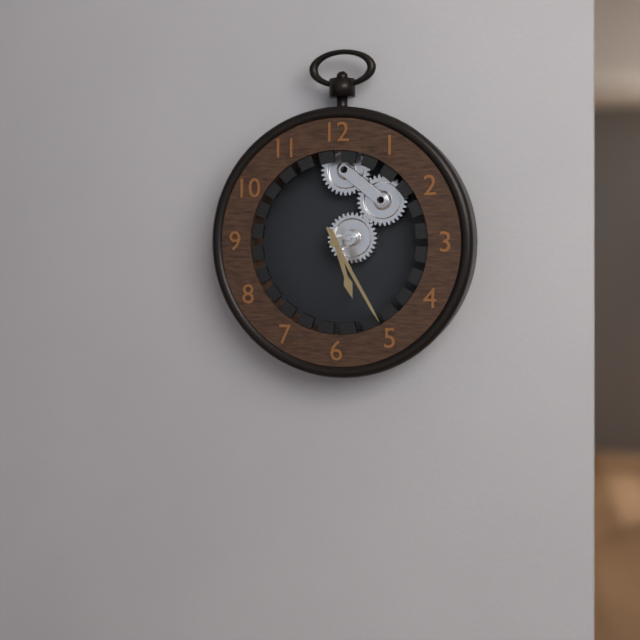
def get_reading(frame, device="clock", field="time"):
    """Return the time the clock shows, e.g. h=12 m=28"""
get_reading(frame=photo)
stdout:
h=5 m=25
